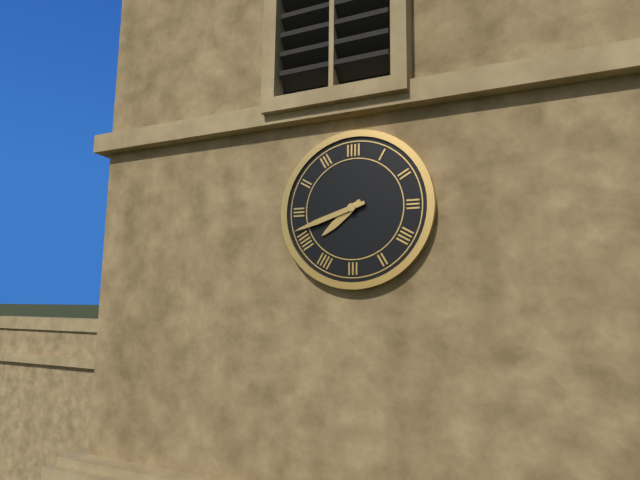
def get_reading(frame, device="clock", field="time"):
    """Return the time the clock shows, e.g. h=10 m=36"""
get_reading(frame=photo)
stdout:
h=7 m=42
